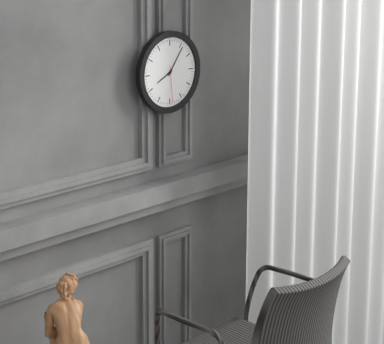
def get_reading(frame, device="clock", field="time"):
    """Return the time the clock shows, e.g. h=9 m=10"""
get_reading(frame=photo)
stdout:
h=8 m=6
